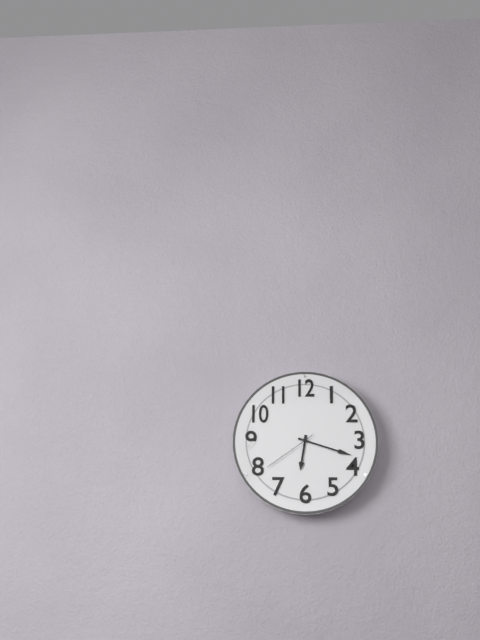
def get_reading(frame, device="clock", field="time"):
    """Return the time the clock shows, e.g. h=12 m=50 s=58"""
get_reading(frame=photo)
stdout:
h=6 m=18 s=39
